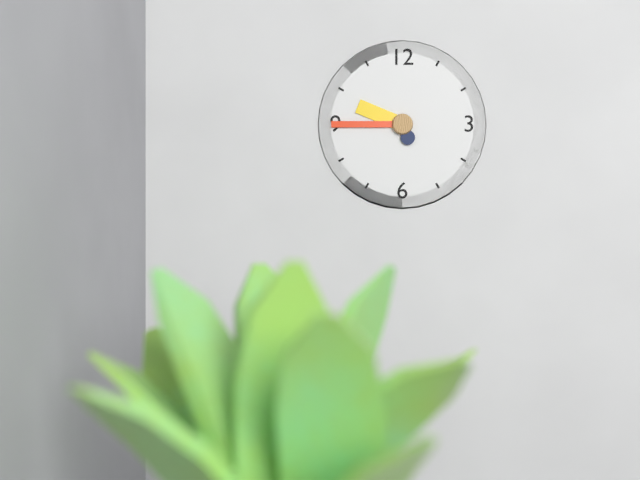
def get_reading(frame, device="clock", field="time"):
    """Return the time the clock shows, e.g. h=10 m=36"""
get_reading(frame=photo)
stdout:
h=9 m=45
